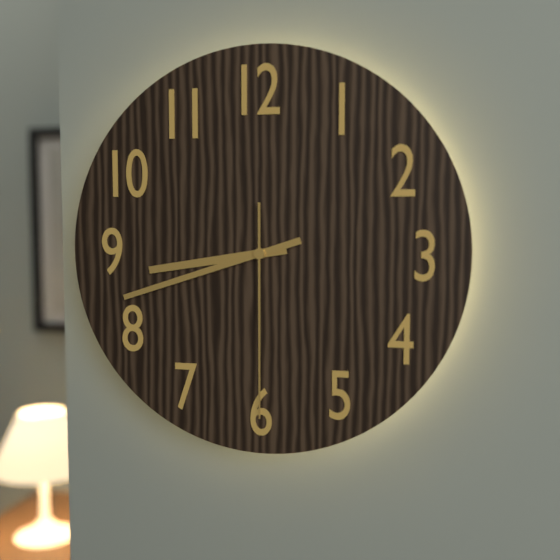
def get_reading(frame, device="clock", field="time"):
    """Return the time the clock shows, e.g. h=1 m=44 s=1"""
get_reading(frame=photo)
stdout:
h=8 m=42 s=30
